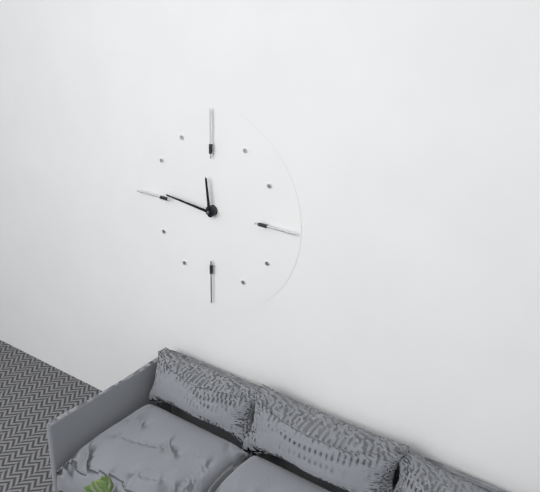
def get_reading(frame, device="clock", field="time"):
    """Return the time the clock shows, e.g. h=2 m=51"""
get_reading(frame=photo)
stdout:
h=11 m=46
